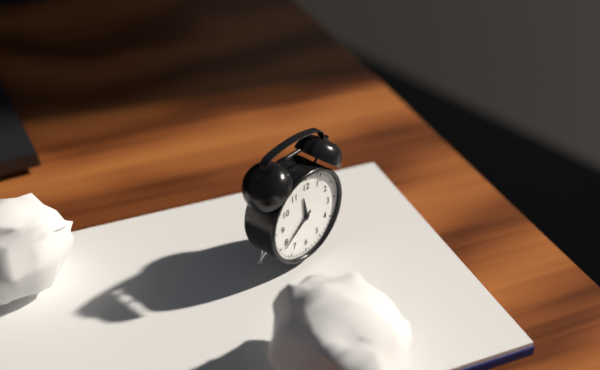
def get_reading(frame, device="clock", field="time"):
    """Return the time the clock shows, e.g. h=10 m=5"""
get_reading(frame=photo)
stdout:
h=11 m=39
